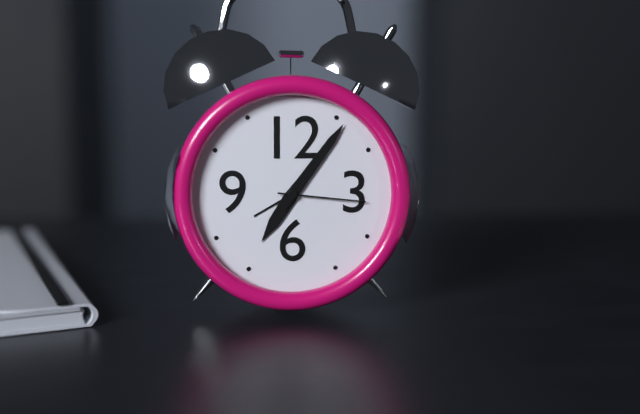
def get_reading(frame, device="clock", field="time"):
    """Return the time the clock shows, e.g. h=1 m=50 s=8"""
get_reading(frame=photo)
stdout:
h=7 m=6 s=16
